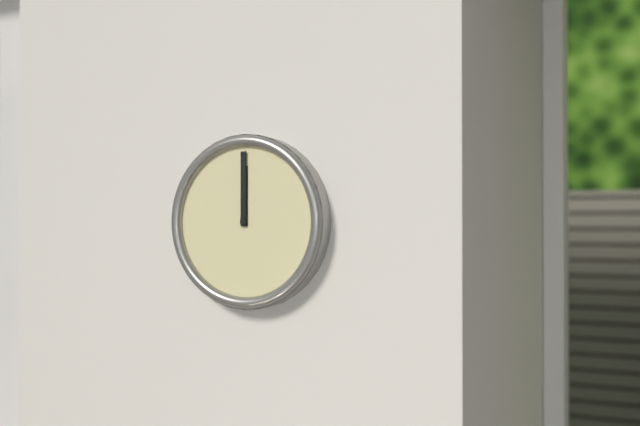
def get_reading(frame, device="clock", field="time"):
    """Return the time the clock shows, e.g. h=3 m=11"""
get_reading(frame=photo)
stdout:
h=12 m=0
